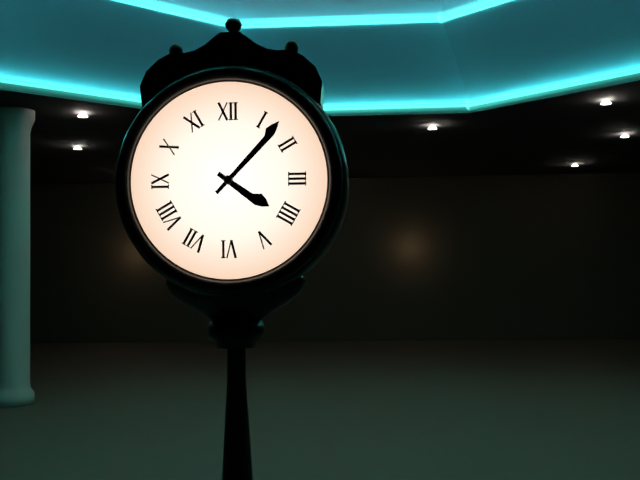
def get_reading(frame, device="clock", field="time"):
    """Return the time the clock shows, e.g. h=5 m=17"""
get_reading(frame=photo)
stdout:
h=4 m=7
